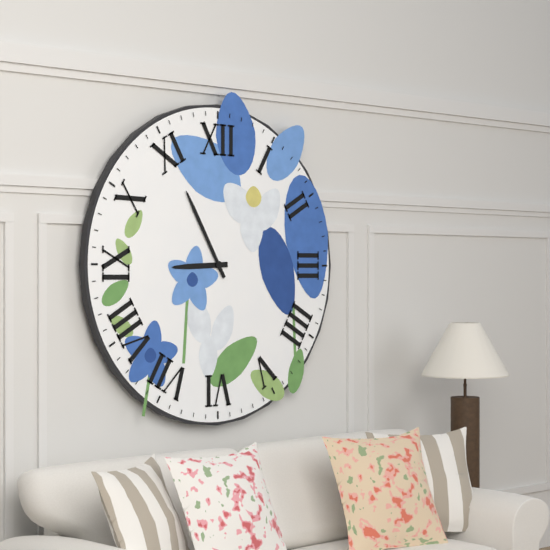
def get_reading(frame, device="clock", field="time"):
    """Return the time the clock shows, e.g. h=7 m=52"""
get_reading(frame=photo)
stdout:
h=8 m=55
